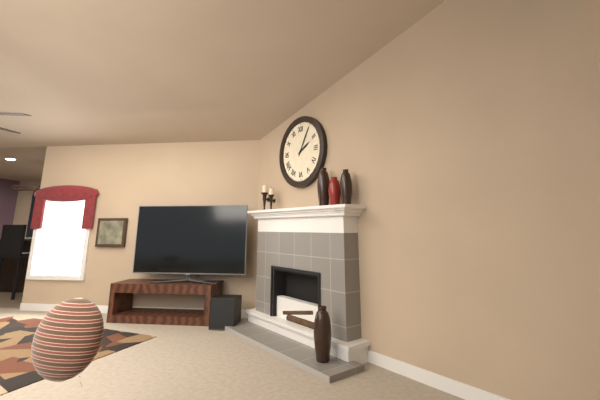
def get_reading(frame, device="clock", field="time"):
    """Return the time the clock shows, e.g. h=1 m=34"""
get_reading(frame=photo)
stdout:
h=2 m=5
